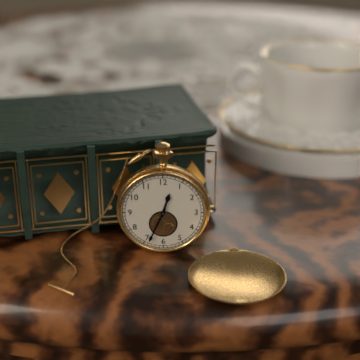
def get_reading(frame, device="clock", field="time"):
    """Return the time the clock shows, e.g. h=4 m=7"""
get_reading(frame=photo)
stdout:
h=12 m=34
